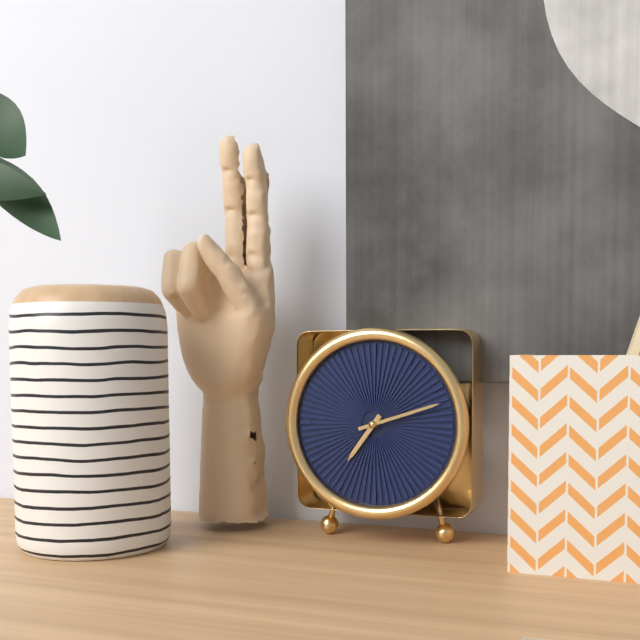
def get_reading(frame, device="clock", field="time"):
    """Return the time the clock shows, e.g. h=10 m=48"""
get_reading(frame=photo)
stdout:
h=7 m=12
